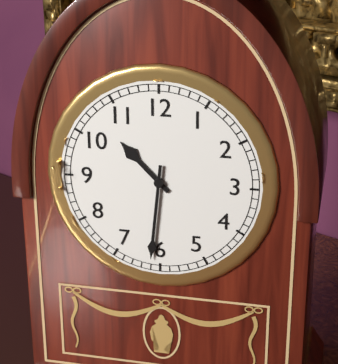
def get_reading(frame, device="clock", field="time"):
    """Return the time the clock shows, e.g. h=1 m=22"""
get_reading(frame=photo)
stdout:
h=10 m=31
